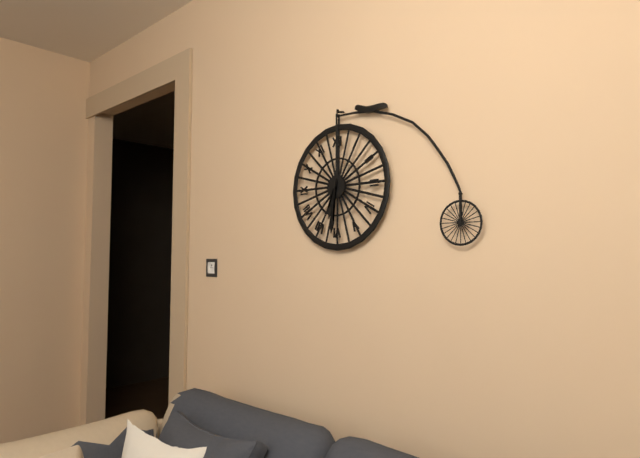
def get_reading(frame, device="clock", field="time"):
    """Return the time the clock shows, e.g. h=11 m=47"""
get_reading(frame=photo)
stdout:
h=6 m=31
